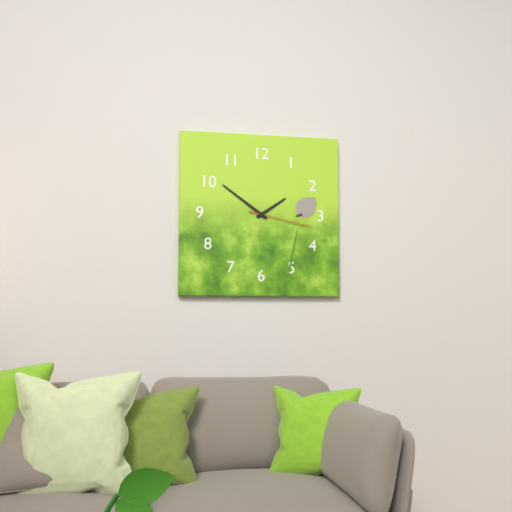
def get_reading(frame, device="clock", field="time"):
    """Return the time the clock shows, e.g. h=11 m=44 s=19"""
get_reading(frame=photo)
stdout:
h=1 m=51 s=17
